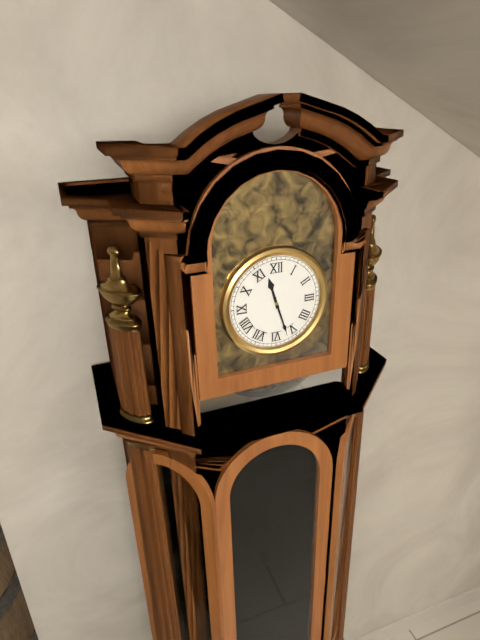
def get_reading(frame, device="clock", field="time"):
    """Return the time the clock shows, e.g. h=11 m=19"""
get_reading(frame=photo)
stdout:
h=11 m=27
